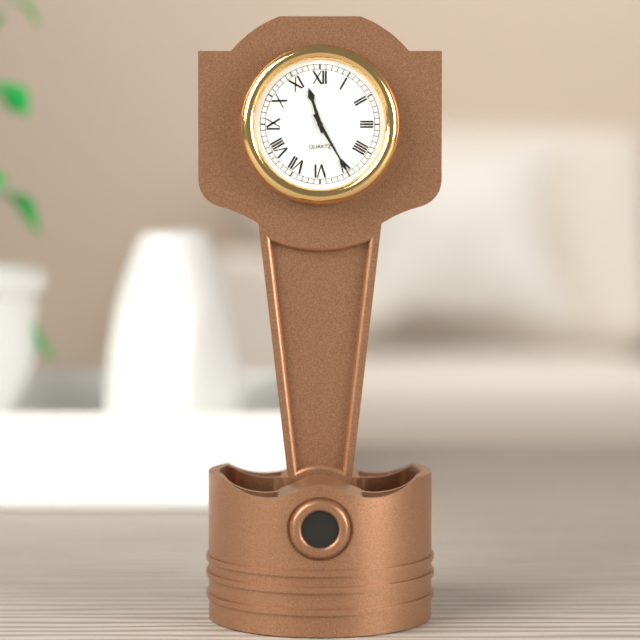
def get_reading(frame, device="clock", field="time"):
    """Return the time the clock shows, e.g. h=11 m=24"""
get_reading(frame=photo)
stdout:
h=11 m=25
